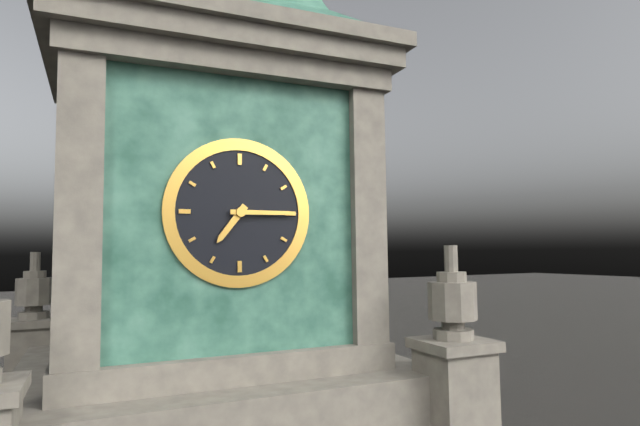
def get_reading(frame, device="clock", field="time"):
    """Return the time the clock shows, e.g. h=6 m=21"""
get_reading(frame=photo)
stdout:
h=7 m=15
